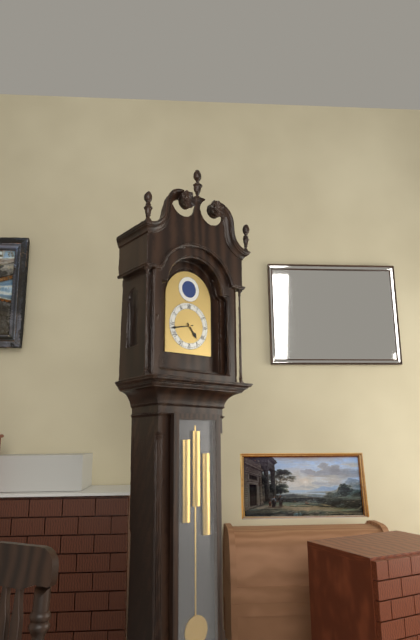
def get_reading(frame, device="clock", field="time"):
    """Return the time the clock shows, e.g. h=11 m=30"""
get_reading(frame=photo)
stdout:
h=4 m=43
